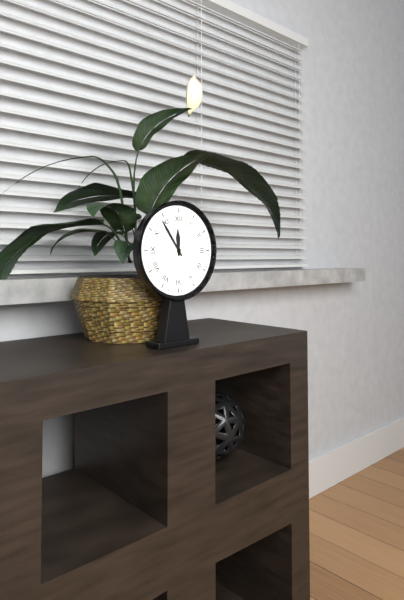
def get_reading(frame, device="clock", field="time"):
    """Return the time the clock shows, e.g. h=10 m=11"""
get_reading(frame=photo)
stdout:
h=11 m=54
